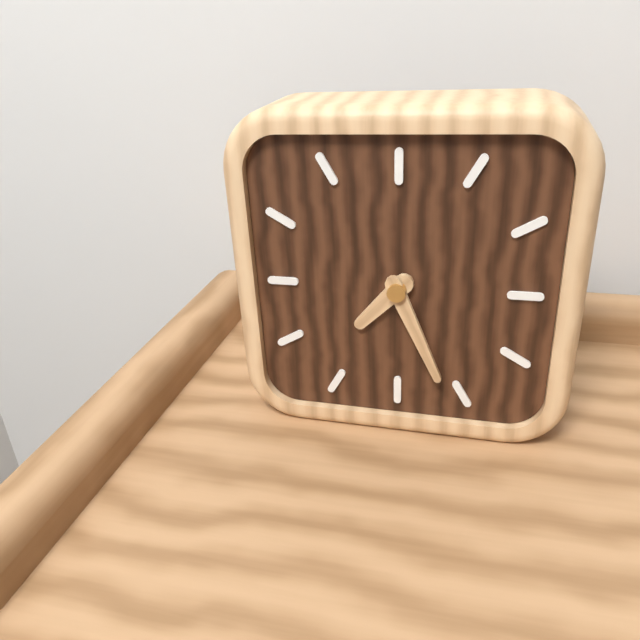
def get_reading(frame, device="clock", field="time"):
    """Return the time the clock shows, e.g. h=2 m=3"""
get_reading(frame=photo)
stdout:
h=7 m=26
